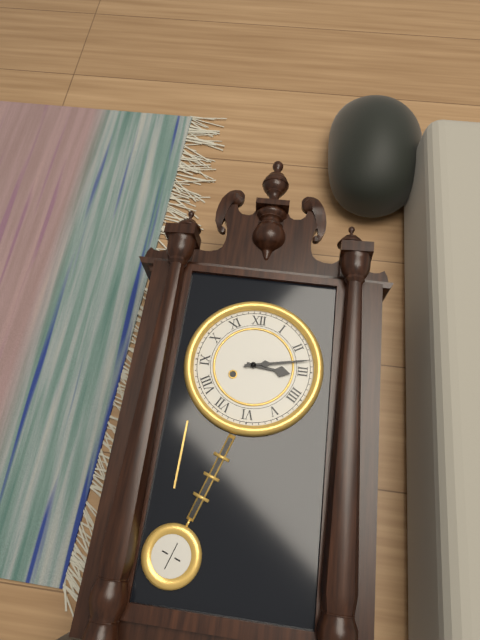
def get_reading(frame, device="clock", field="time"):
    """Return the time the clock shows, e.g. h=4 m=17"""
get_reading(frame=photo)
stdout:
h=3 m=13
